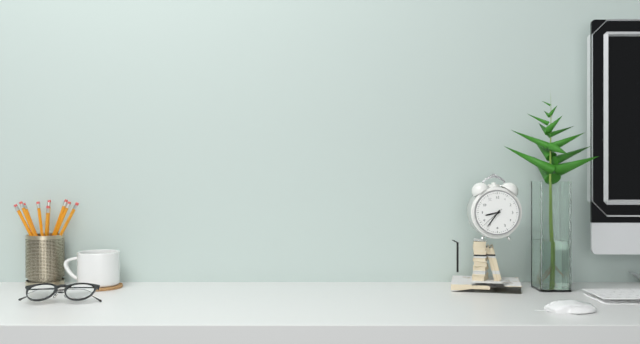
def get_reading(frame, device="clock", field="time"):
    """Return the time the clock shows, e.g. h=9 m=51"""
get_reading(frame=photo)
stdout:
h=8 m=36
